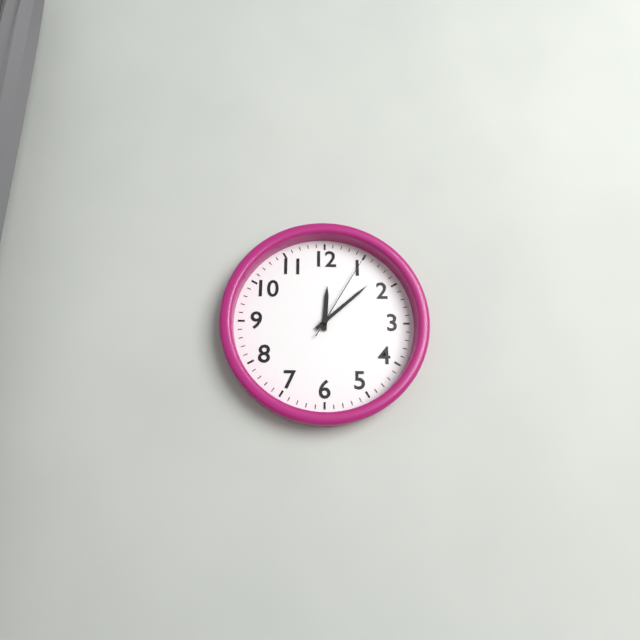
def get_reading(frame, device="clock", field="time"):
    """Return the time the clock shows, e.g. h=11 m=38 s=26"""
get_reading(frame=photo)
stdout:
h=12 m=8 s=5
